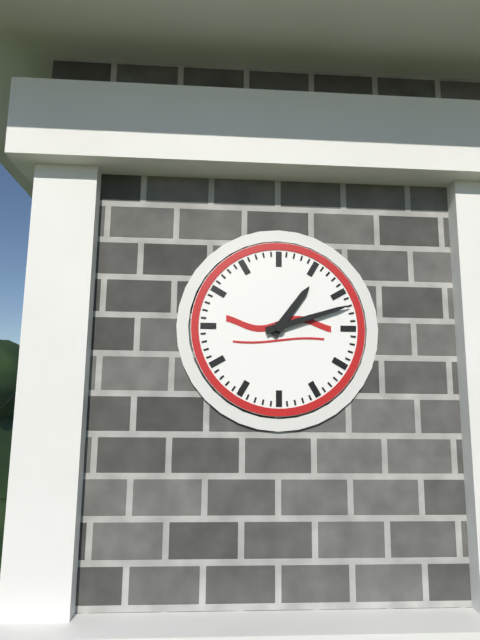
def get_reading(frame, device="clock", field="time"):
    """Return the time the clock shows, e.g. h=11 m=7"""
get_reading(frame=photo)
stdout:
h=1 m=12
